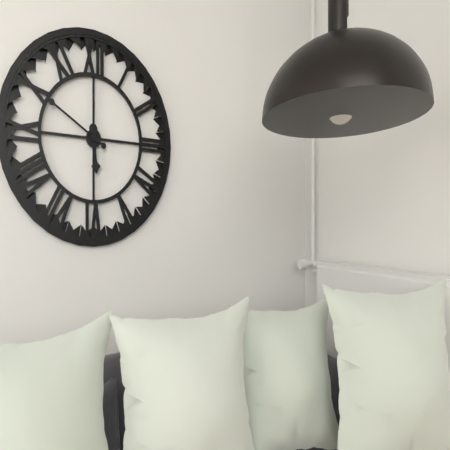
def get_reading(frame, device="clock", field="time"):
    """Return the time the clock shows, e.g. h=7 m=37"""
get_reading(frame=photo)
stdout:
h=5 m=50
